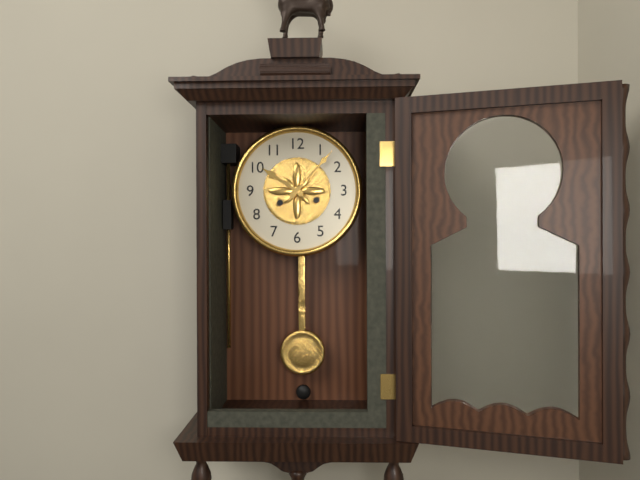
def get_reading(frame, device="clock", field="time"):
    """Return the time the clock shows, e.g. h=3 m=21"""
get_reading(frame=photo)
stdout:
h=10 m=7
